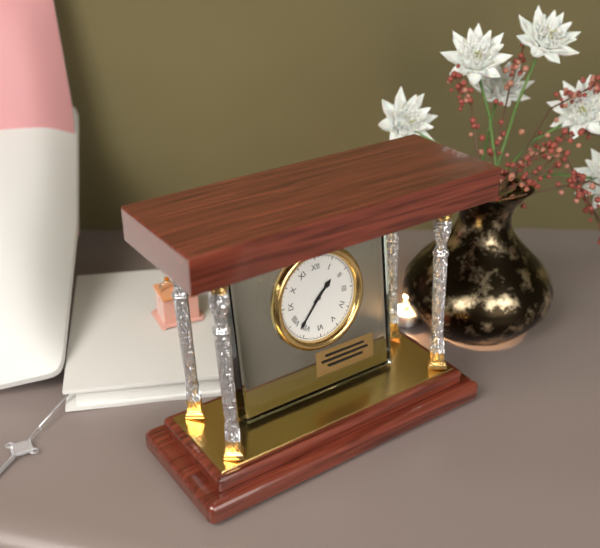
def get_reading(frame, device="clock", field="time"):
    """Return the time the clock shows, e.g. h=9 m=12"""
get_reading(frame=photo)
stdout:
h=1 m=37
